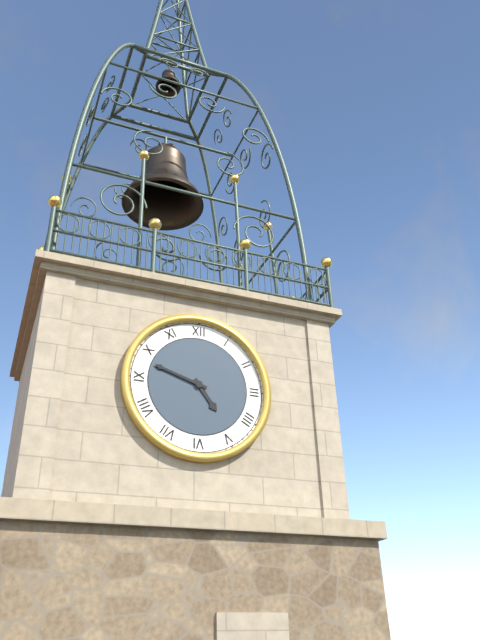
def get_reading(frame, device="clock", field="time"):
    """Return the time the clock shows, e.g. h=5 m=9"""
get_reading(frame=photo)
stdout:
h=4 m=48
